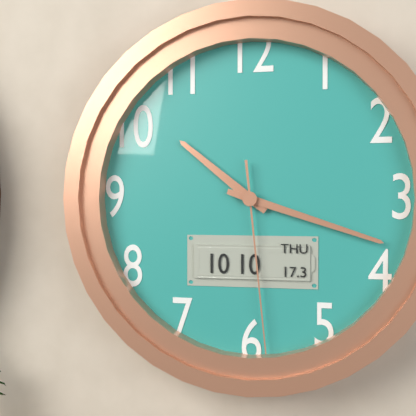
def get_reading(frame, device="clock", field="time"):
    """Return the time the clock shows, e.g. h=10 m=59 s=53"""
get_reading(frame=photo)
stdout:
h=10 m=18 s=29
